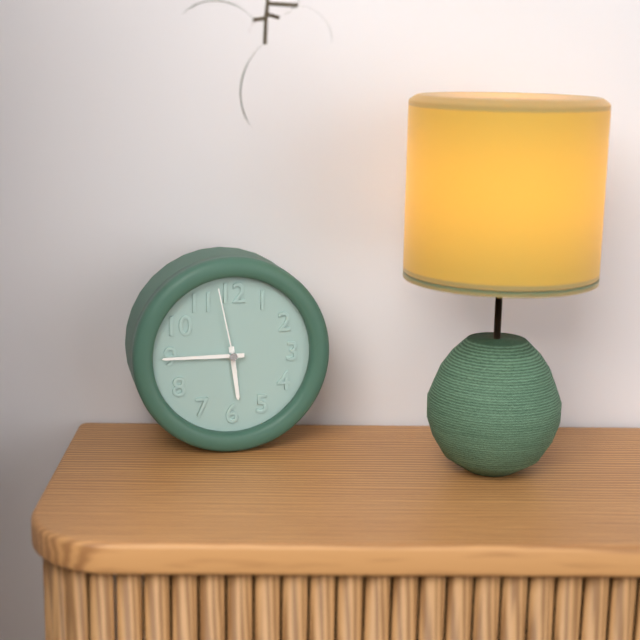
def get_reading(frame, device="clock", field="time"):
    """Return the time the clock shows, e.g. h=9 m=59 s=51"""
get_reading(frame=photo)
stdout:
h=5 m=45 s=58
